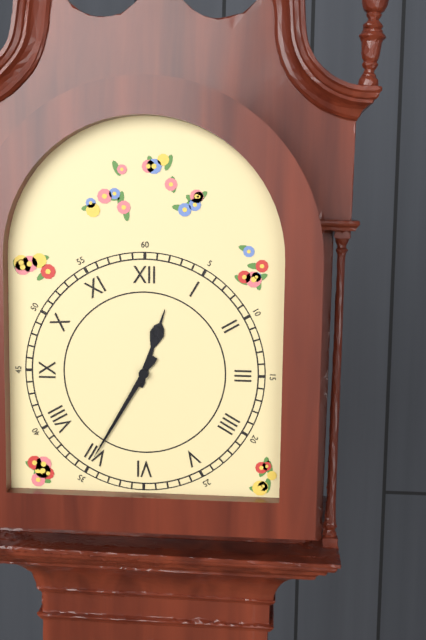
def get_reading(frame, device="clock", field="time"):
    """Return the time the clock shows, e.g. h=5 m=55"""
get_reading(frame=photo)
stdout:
h=12 m=35
